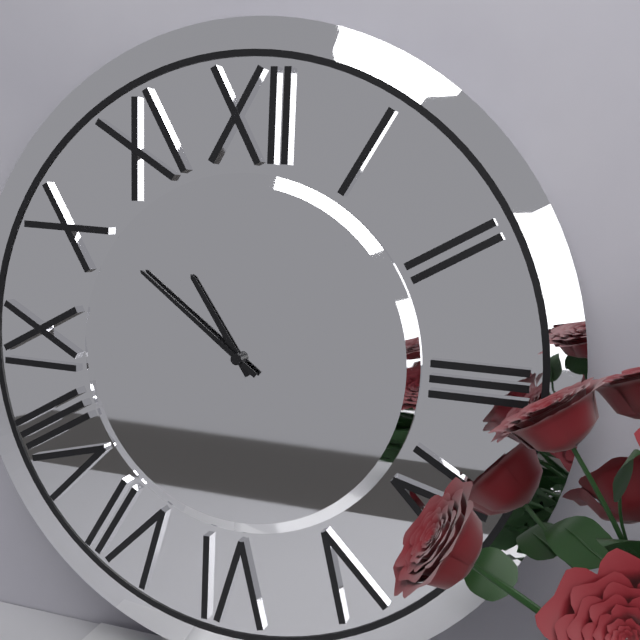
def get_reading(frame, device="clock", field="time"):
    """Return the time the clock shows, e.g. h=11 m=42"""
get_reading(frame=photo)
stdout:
h=10 m=51
